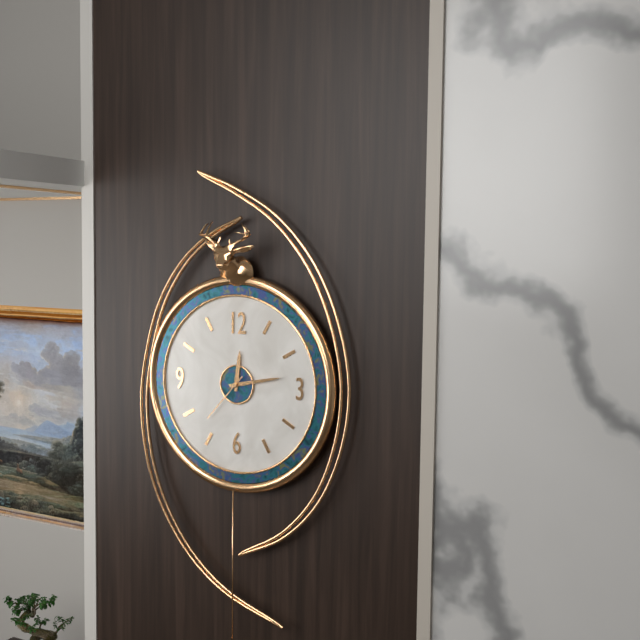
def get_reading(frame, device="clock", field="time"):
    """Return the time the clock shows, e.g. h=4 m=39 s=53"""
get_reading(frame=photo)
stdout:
h=12 m=13 s=37
